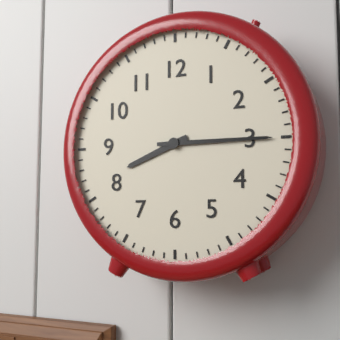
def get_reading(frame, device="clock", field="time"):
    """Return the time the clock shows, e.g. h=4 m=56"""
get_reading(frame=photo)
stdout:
h=8 m=15
